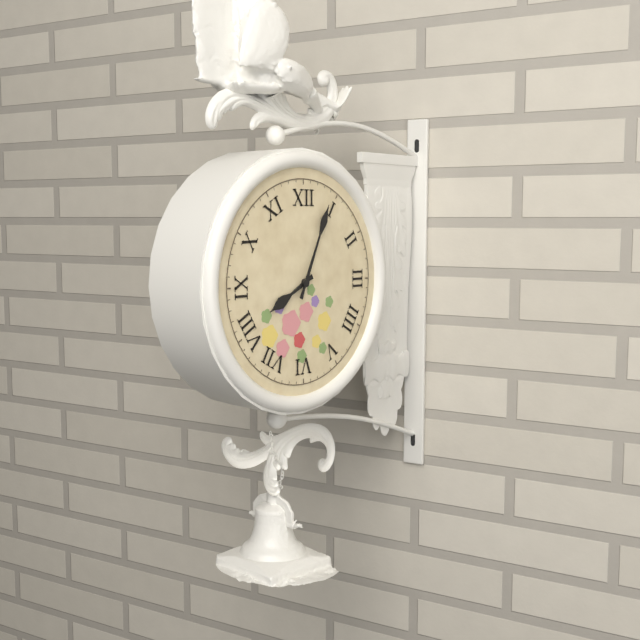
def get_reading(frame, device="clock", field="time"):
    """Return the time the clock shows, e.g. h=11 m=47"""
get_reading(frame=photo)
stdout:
h=8 m=4
